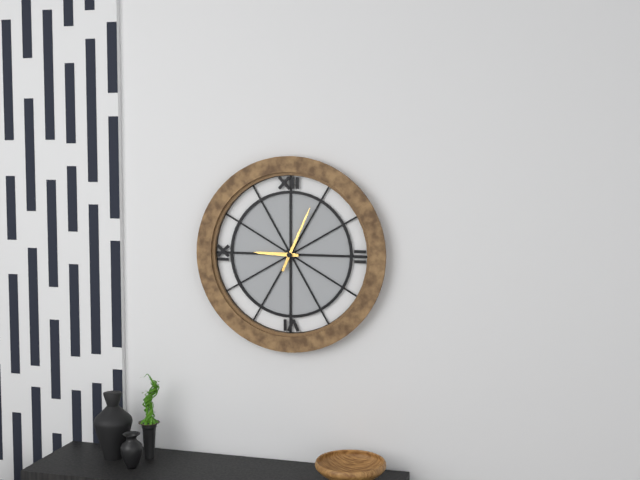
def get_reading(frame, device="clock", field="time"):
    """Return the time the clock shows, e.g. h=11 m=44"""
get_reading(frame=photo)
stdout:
h=9 m=4
